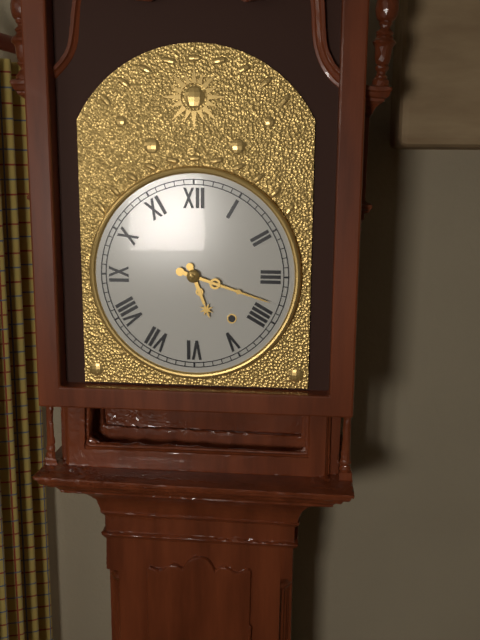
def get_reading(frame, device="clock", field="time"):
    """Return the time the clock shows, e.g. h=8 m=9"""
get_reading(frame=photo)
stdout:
h=5 m=18
